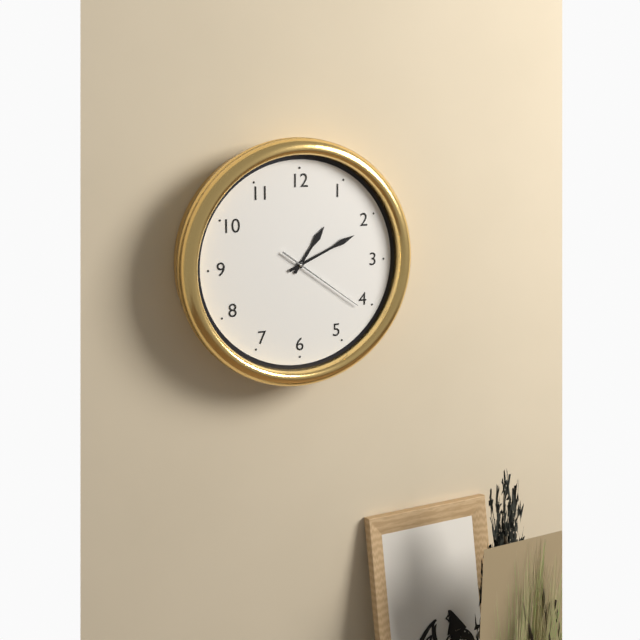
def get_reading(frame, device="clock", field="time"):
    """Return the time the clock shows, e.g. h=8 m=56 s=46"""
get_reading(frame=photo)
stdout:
h=1 m=11 s=21
